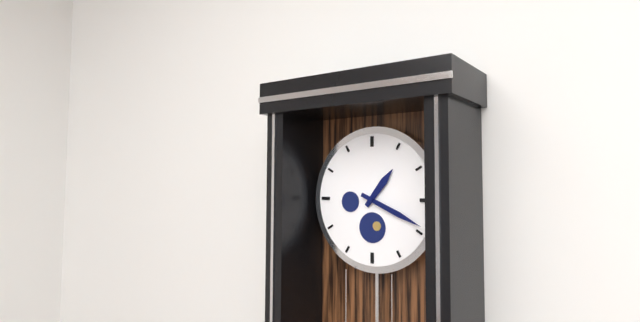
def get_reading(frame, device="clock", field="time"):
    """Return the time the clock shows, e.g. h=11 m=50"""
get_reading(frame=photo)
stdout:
h=1 m=19
